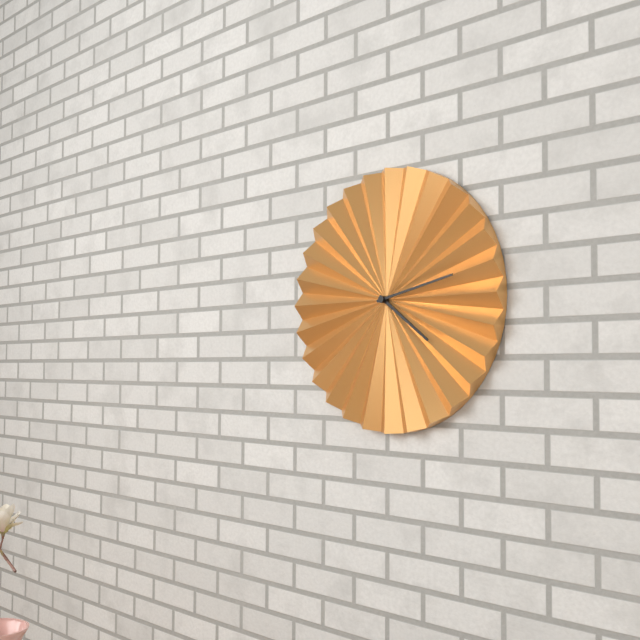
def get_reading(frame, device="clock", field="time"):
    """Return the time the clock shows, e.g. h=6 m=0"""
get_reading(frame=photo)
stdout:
h=4 m=13
